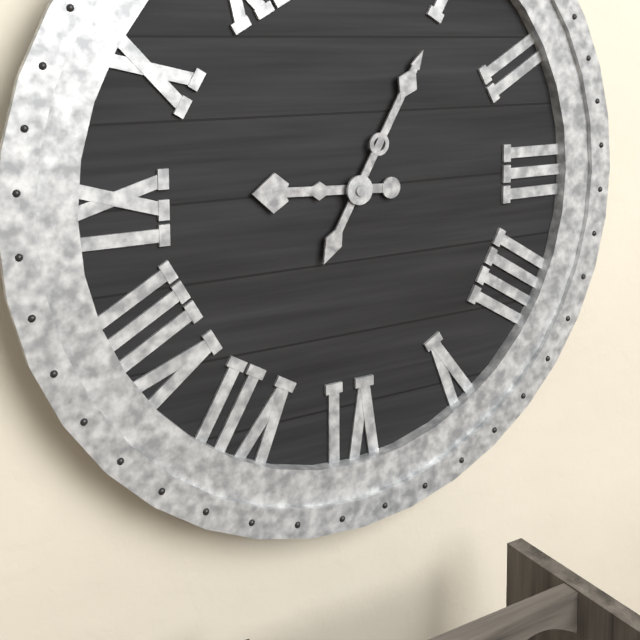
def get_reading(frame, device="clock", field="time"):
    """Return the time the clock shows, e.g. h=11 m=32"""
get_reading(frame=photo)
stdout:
h=9 m=5
